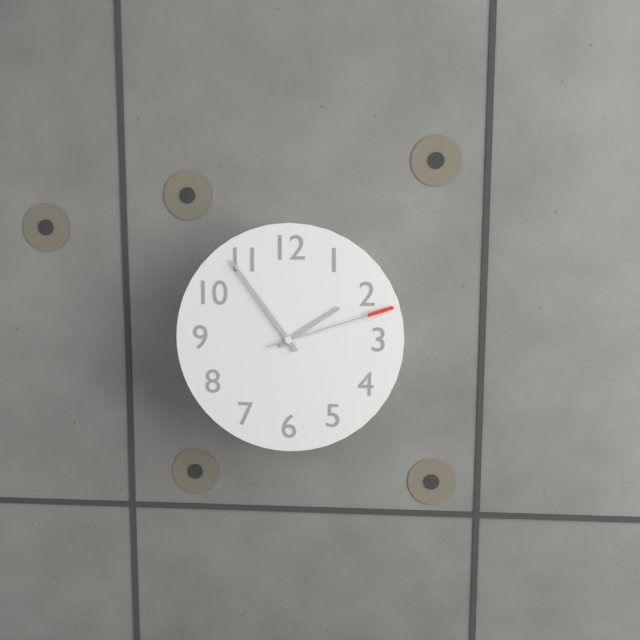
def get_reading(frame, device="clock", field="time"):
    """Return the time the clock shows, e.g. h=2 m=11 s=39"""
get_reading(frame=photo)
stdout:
h=1 m=54 s=12
